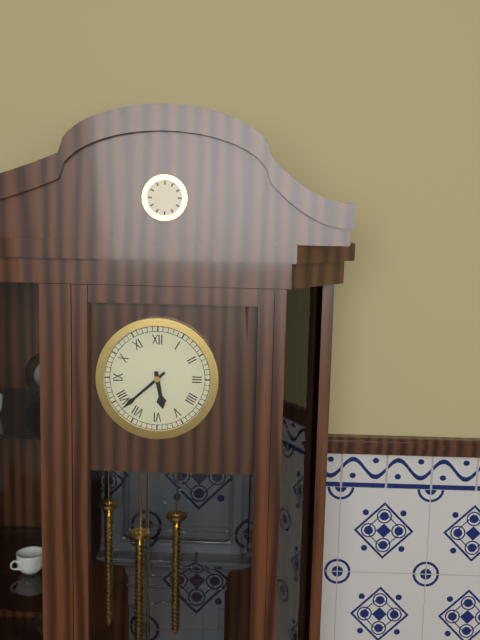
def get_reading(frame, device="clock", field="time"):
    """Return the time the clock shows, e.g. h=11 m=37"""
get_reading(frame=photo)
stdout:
h=5 m=38
